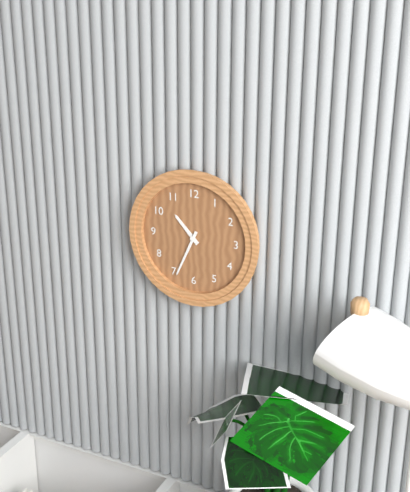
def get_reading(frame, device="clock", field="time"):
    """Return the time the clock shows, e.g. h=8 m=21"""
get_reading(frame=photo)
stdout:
h=10 m=34
